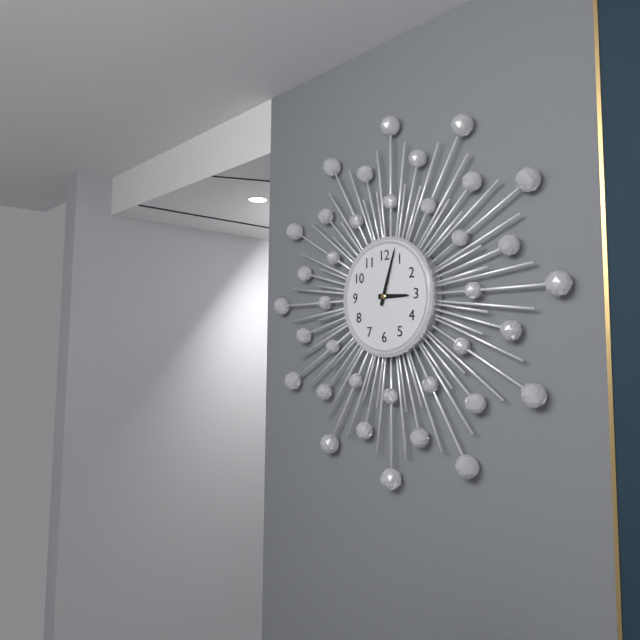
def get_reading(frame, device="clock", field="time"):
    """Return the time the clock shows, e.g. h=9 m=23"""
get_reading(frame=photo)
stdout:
h=3 m=3
